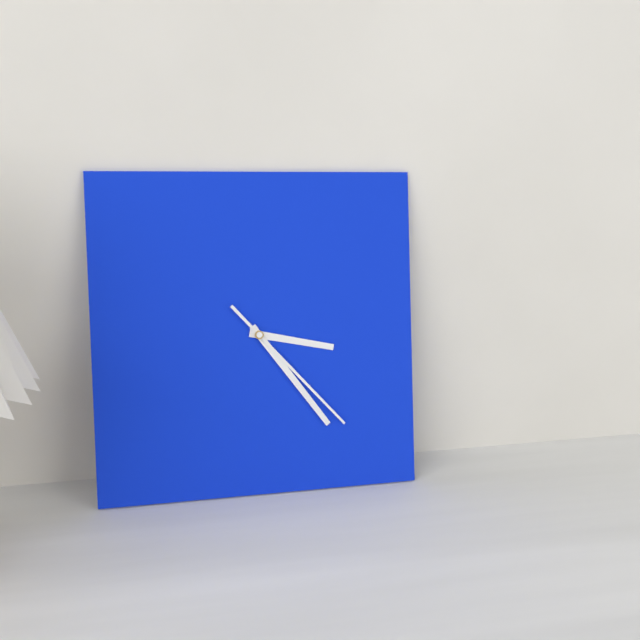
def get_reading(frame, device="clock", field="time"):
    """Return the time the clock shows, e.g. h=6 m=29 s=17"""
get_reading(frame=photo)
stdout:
h=3 m=24 s=23
